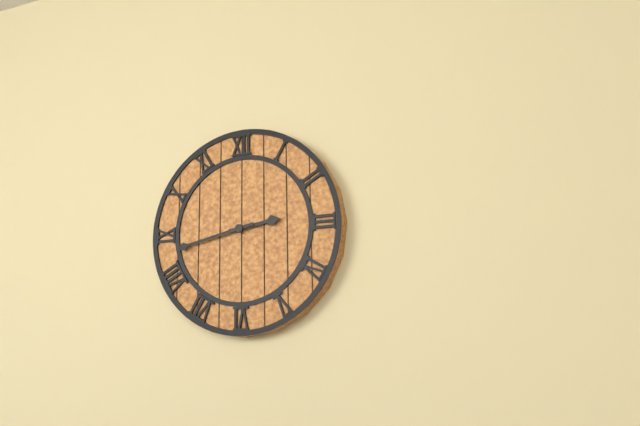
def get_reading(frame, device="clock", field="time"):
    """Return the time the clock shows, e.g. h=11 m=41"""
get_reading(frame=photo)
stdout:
h=2 m=43
